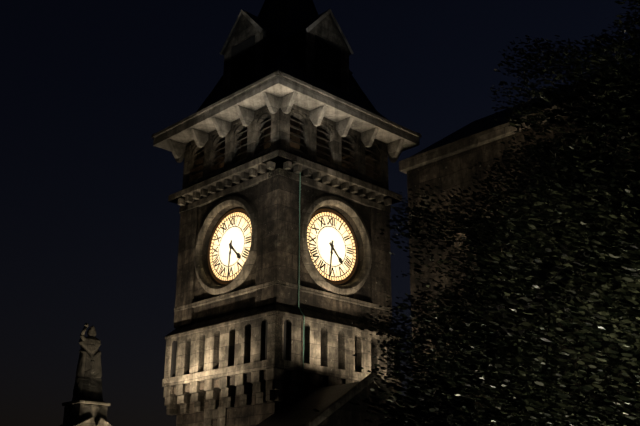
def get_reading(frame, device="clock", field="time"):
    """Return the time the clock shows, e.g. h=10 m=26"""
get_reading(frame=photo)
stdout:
h=4 m=31
